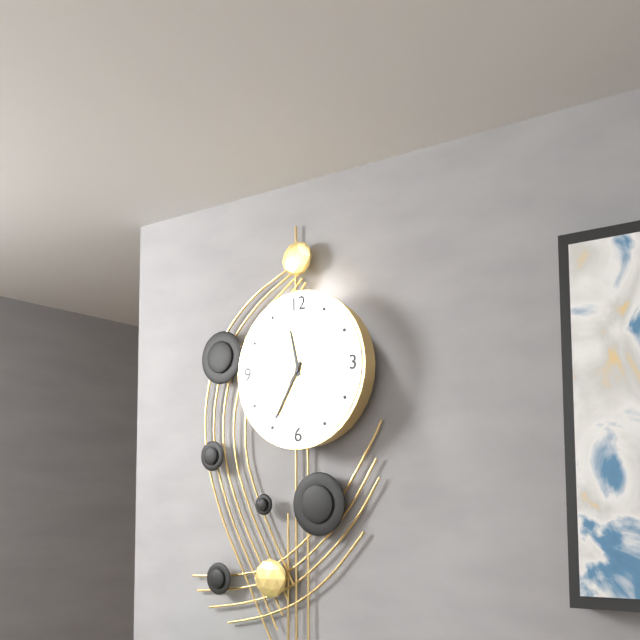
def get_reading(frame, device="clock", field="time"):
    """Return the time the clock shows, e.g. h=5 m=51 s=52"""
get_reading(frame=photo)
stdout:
h=11 m=35 s=36
